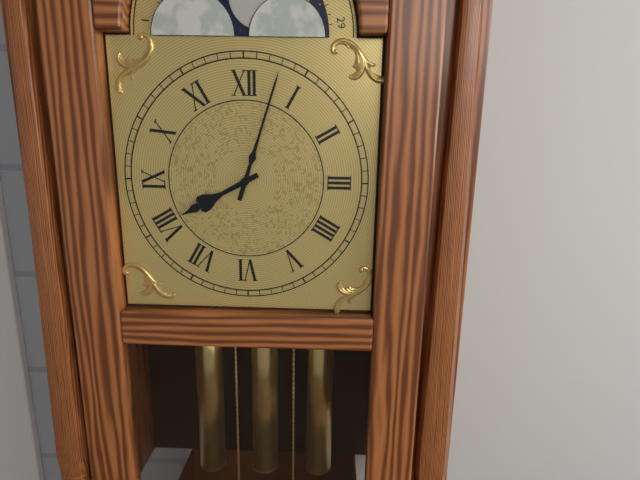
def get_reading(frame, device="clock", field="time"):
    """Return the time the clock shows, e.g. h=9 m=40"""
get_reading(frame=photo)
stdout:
h=8 m=3
